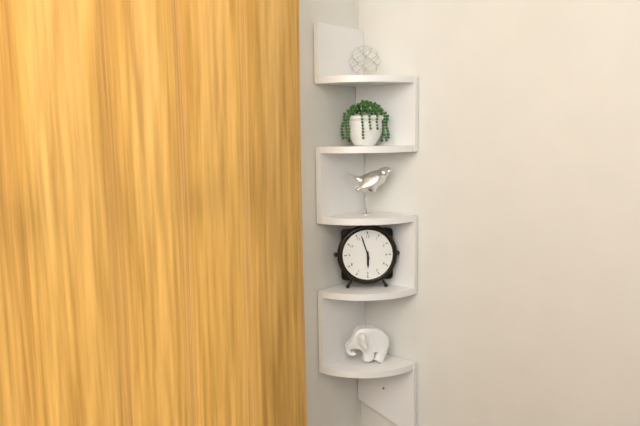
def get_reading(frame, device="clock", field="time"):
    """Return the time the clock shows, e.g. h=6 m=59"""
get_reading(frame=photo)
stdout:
h=5 m=57
